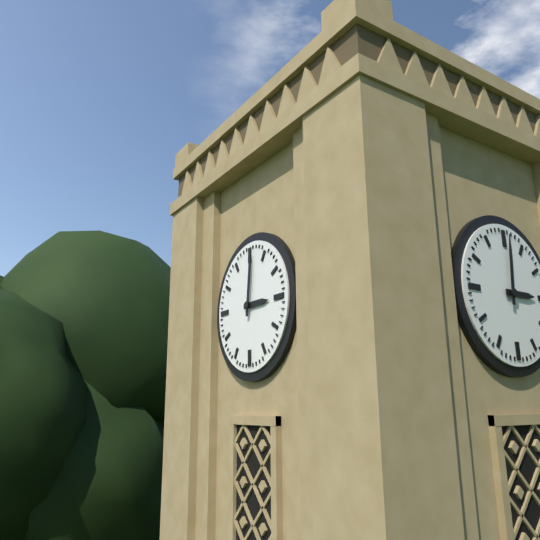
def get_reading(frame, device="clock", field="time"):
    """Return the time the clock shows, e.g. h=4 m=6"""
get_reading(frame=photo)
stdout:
h=3 m=1
